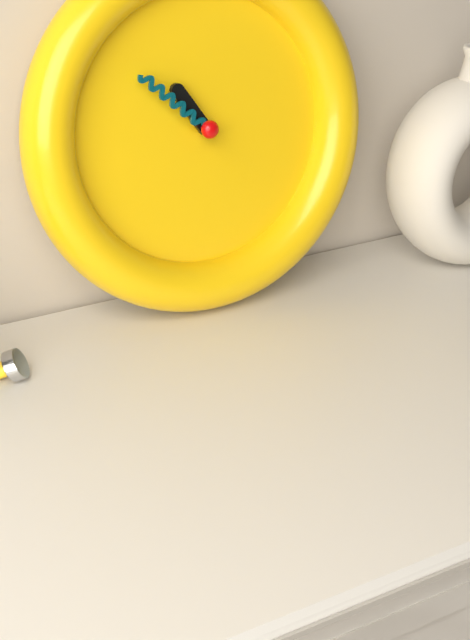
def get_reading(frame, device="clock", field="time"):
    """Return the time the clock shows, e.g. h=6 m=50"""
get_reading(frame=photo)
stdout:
h=10 m=52
